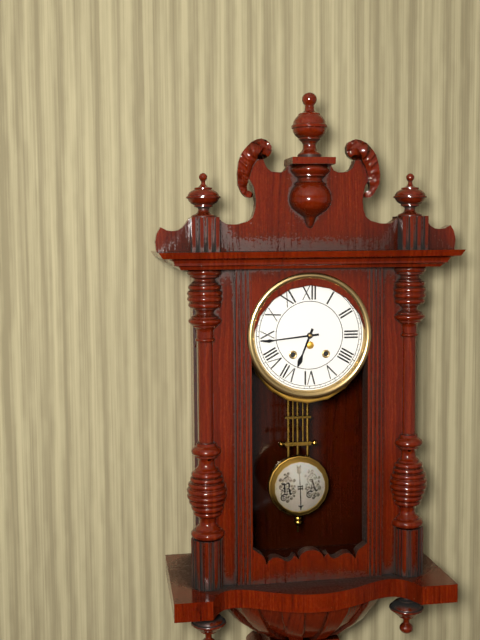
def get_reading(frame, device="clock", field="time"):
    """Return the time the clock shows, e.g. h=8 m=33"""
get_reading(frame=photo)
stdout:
h=6 m=44
